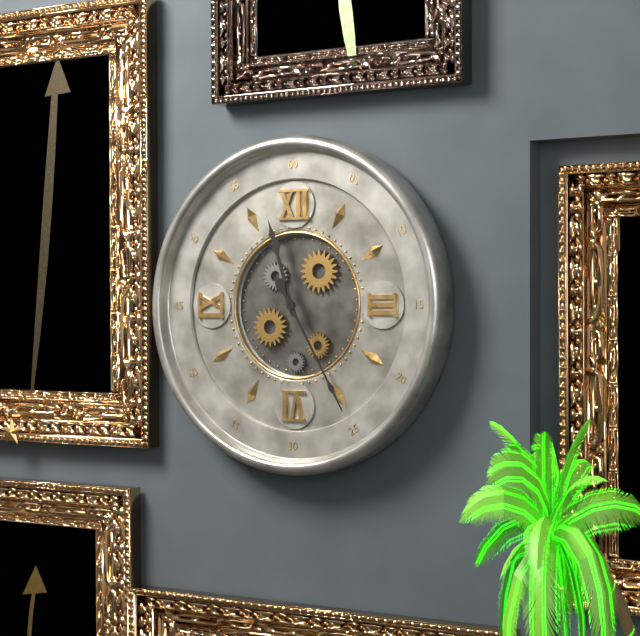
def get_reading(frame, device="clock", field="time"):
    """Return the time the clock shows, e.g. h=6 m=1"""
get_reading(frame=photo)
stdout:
h=11 m=25
